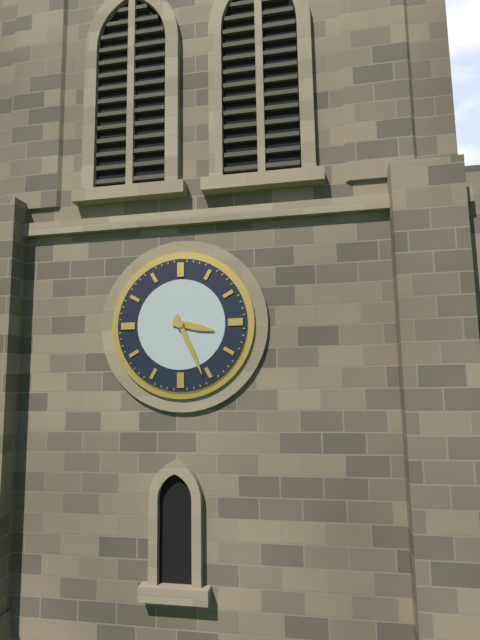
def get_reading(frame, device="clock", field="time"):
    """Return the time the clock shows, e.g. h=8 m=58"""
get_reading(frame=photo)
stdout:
h=3 m=26
